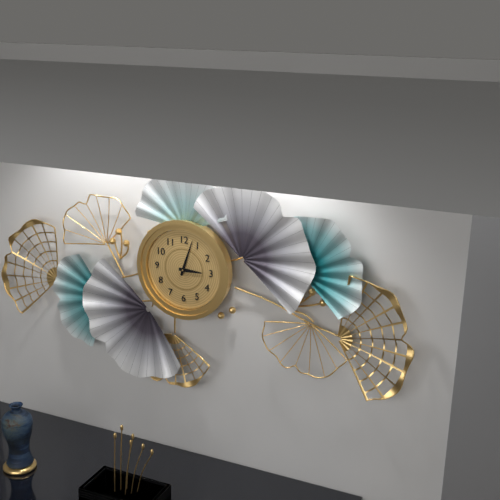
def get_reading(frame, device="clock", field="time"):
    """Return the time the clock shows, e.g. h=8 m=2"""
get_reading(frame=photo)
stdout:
h=3 m=3
